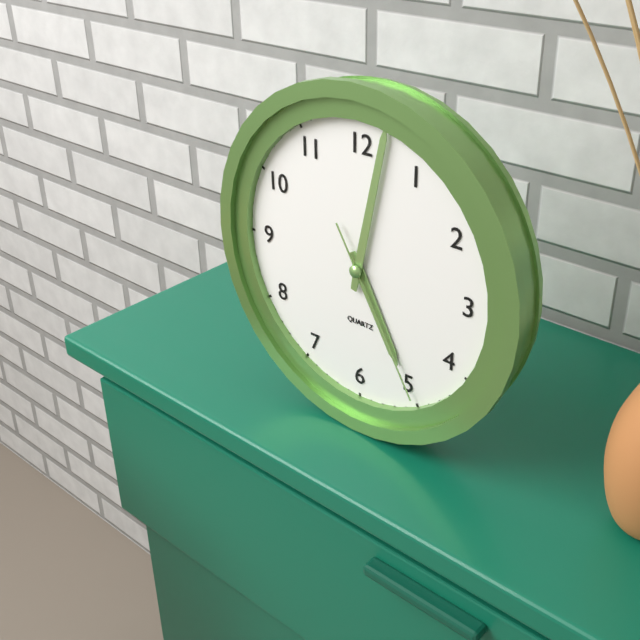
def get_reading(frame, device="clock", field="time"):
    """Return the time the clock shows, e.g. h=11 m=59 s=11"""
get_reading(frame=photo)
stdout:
h=5 m=2 s=25
